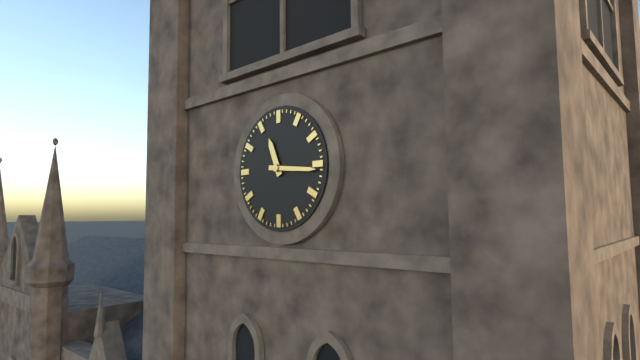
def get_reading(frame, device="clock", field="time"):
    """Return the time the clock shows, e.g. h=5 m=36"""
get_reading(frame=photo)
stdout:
h=11 m=16
